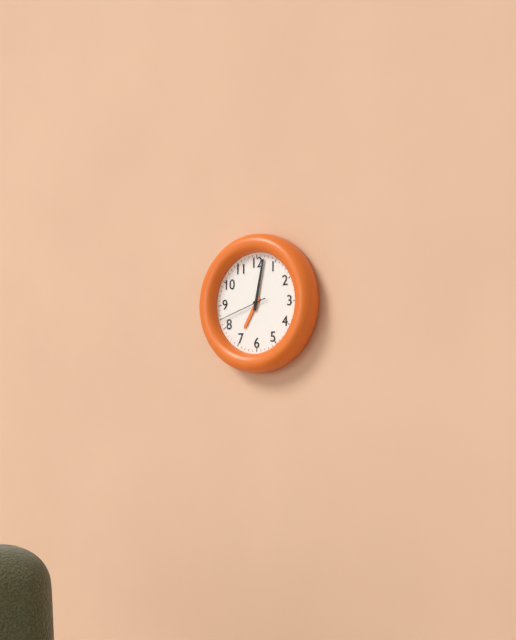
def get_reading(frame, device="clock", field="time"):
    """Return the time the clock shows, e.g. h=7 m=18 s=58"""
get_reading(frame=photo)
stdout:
h=7 m=2 s=42
